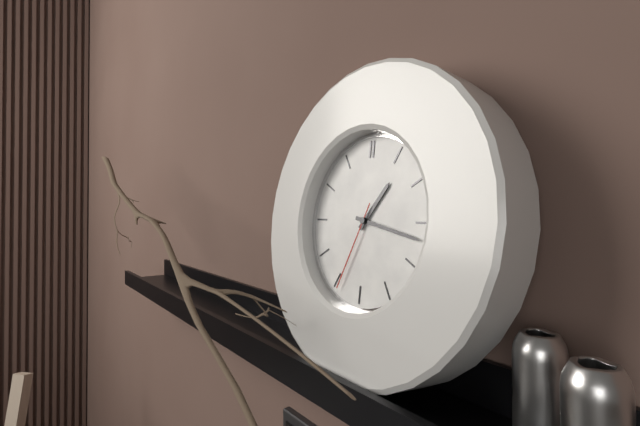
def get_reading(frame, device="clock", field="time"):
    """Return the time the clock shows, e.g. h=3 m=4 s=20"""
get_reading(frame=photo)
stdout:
h=1 m=17 s=34
